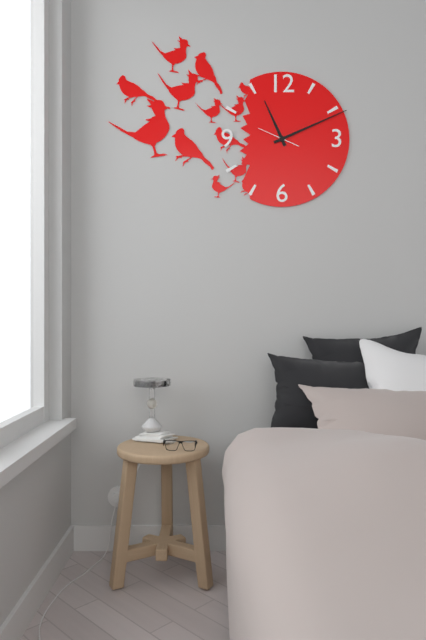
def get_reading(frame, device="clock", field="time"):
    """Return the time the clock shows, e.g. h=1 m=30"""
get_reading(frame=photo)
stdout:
h=11 m=11
